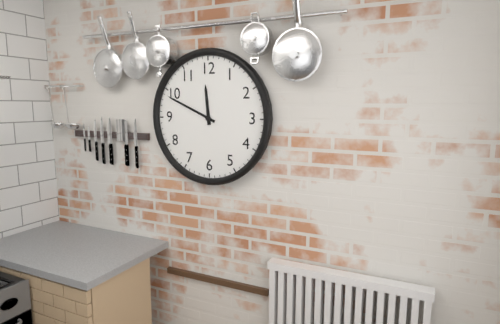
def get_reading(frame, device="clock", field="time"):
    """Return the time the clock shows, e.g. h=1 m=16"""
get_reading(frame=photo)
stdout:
h=11 m=49
